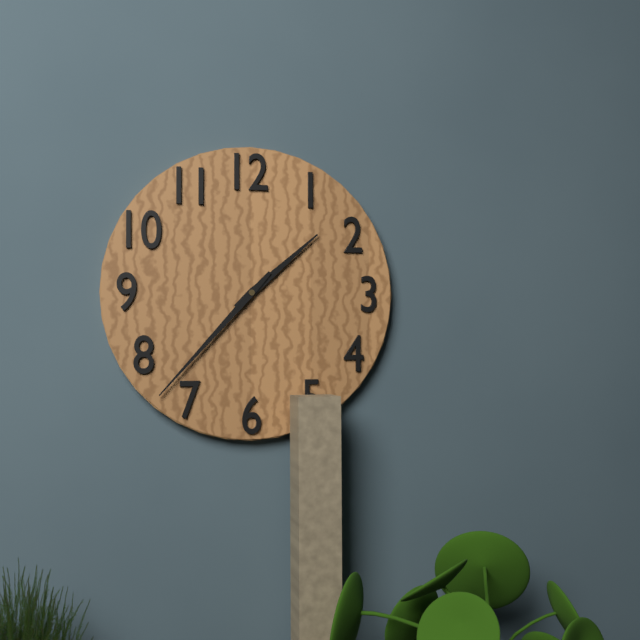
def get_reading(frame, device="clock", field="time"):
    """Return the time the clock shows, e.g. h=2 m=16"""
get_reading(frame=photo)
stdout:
h=1 m=37
